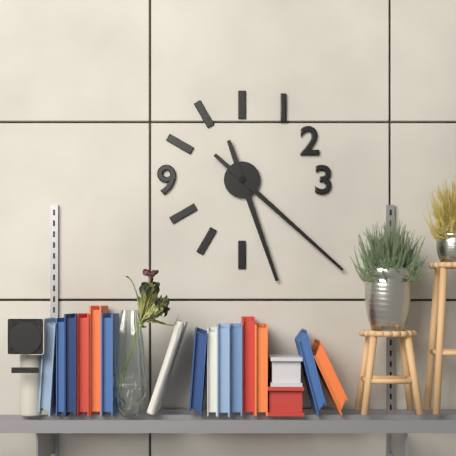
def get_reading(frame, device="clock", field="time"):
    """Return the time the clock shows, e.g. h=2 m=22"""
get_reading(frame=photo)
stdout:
h=5 m=22
